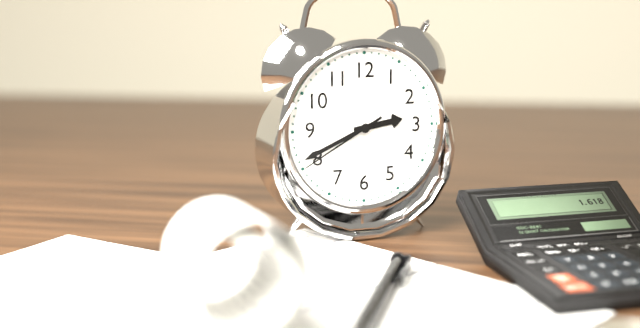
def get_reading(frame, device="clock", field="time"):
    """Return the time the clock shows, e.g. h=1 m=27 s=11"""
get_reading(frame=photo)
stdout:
h=2 m=41 s=40
